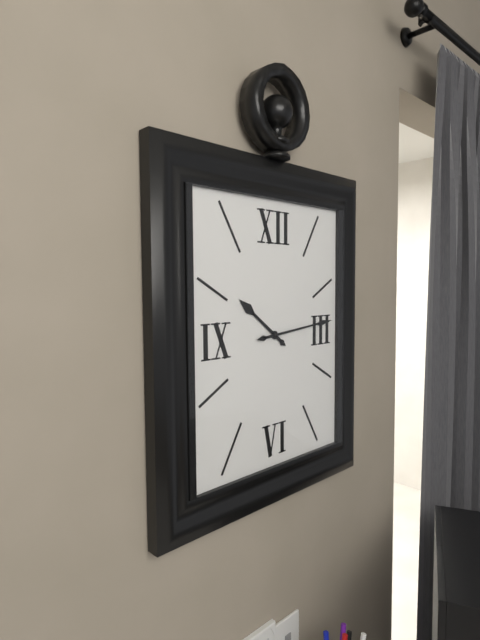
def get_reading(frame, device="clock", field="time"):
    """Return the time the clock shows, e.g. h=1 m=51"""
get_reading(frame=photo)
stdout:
h=10 m=14
